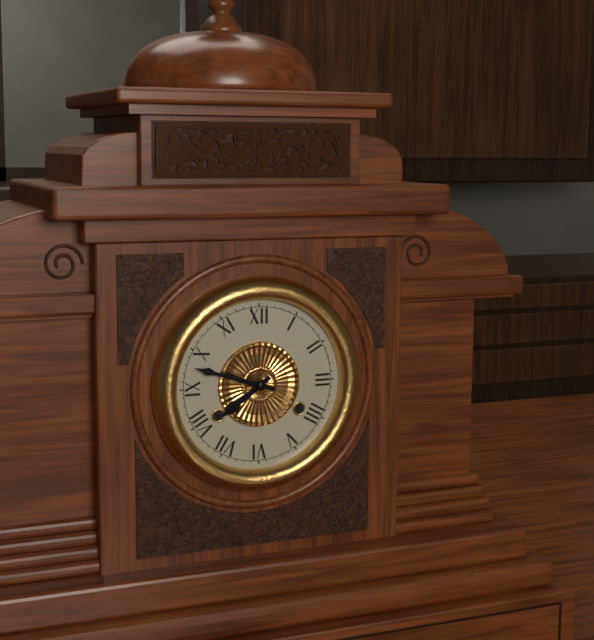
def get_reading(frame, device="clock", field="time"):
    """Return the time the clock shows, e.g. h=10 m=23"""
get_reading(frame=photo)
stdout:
h=7 m=48
